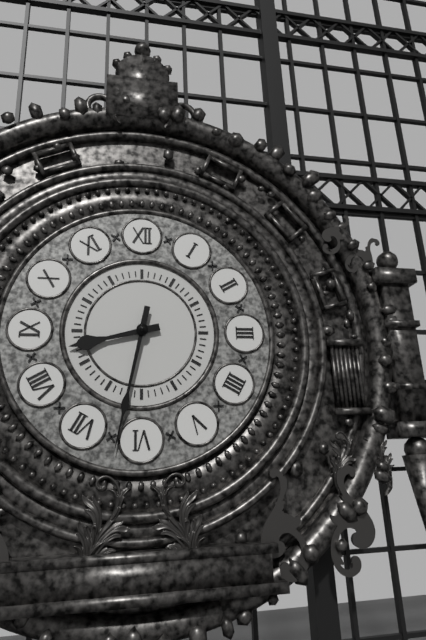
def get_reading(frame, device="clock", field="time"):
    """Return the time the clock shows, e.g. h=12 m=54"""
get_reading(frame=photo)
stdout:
h=8 m=32
